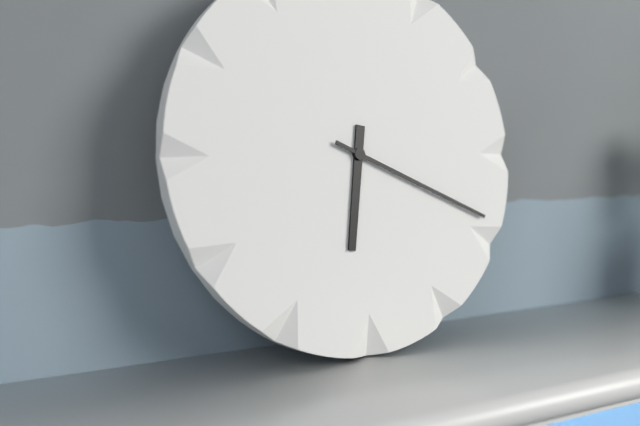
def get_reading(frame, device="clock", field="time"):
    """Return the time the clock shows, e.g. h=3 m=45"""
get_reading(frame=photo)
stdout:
h=6 m=19
